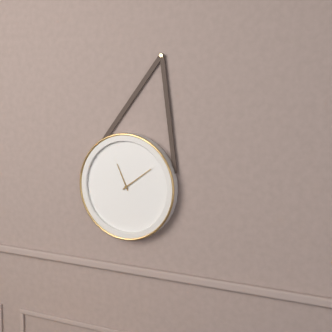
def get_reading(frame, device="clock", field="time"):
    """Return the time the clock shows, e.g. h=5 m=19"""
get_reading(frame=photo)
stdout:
h=11 m=9
